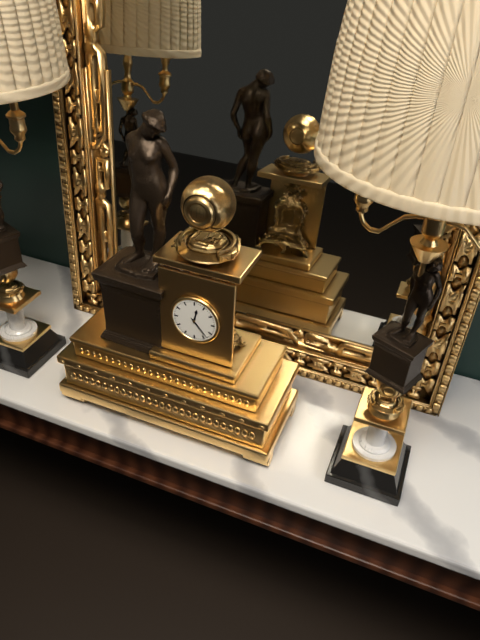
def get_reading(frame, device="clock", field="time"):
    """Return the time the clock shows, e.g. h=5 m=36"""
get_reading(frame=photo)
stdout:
h=12 m=23
